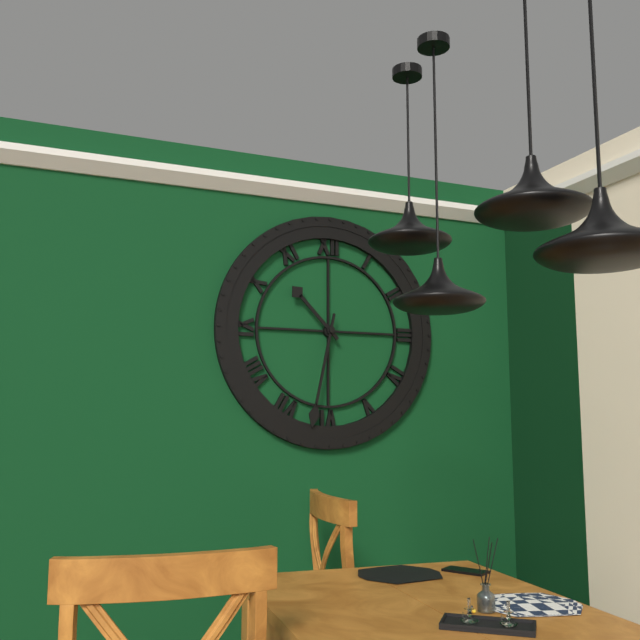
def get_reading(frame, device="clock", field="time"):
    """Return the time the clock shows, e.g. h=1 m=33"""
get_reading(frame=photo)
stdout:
h=10 m=32
